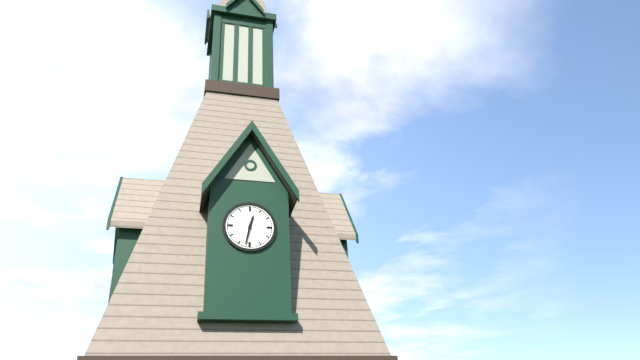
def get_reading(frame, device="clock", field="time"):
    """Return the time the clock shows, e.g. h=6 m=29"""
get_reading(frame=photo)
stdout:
h=12 m=32
